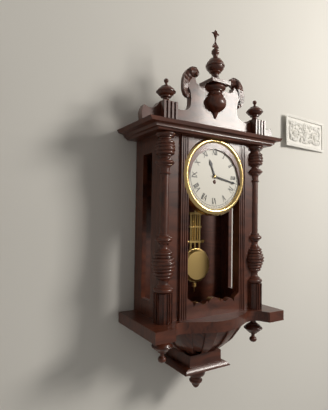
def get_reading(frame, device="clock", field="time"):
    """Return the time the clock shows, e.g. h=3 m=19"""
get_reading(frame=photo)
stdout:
h=11 m=17
